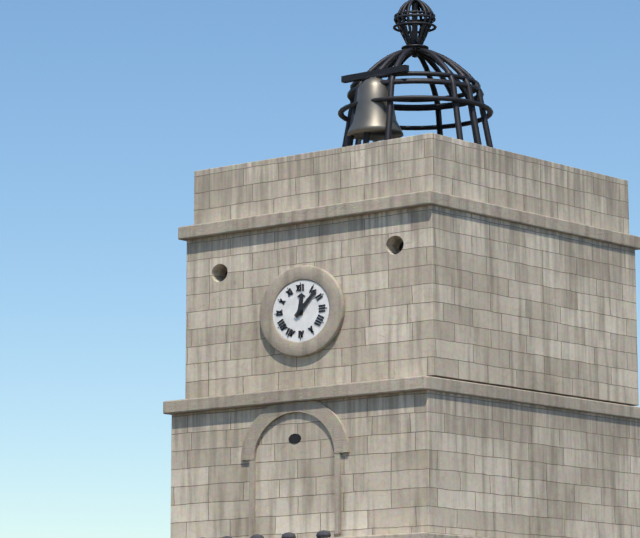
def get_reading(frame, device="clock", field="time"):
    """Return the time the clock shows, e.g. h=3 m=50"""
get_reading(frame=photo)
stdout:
h=12 m=7
